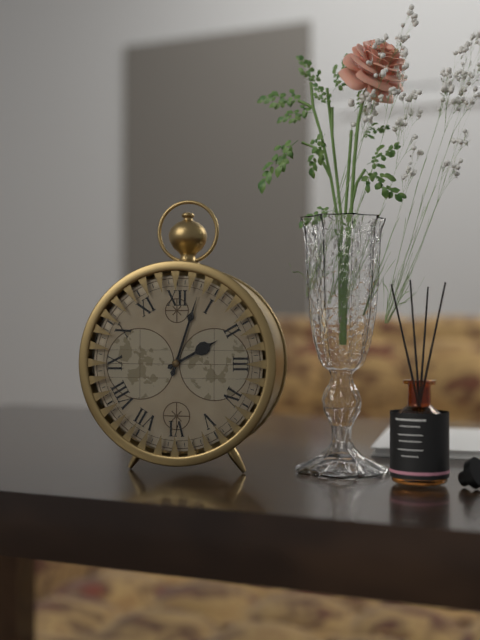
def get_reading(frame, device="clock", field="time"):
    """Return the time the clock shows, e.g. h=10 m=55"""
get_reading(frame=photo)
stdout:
h=2 m=3
